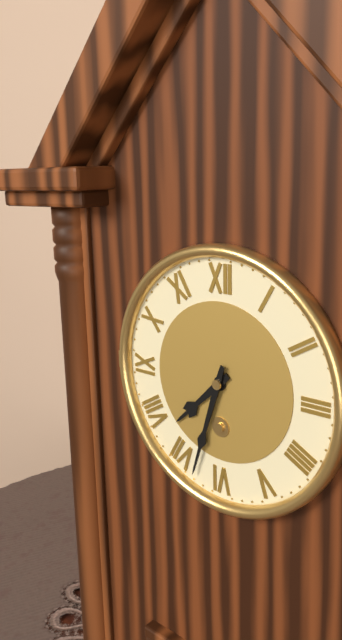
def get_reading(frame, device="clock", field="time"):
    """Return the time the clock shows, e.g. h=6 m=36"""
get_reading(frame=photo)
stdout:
h=7 m=33
